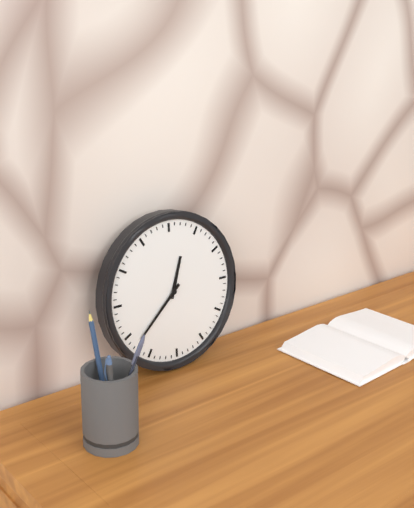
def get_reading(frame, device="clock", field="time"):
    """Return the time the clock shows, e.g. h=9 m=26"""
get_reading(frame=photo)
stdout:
h=12 m=38
